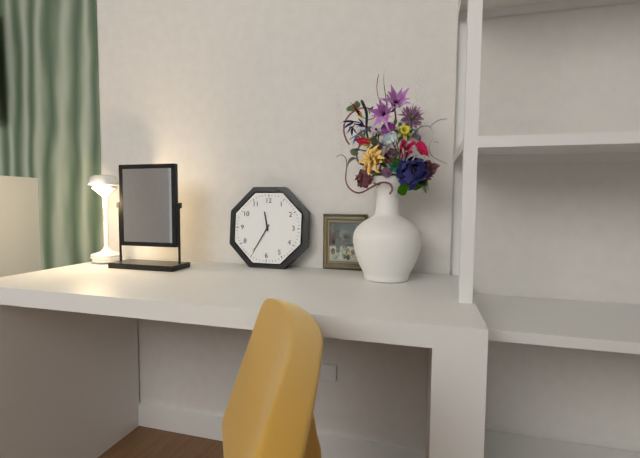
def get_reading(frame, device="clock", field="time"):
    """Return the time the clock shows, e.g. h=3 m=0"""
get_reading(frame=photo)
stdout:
h=11 m=35
